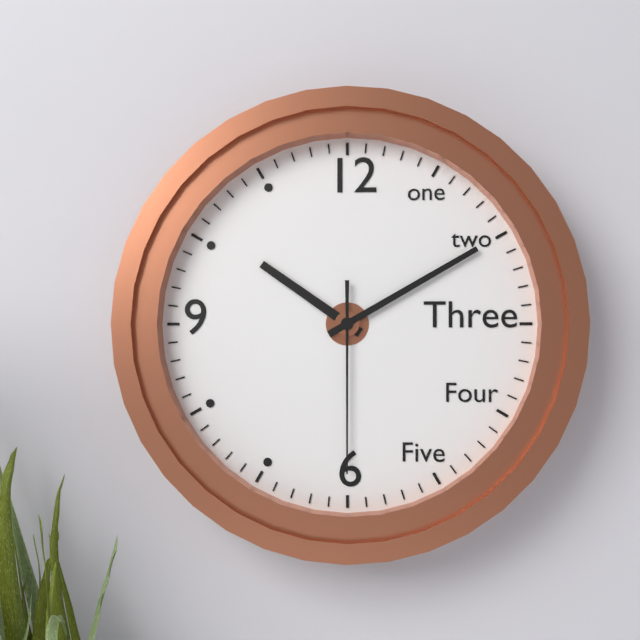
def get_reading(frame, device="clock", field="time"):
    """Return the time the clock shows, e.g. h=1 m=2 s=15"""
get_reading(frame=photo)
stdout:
h=10 m=10 s=30
